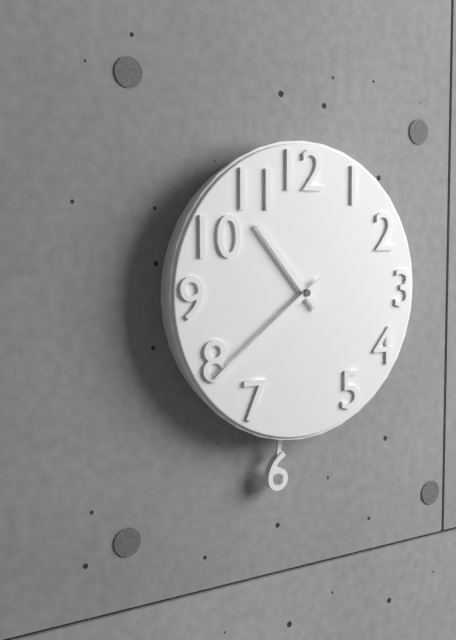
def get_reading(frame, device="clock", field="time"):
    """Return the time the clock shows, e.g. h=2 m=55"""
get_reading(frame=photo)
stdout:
h=10 m=39
